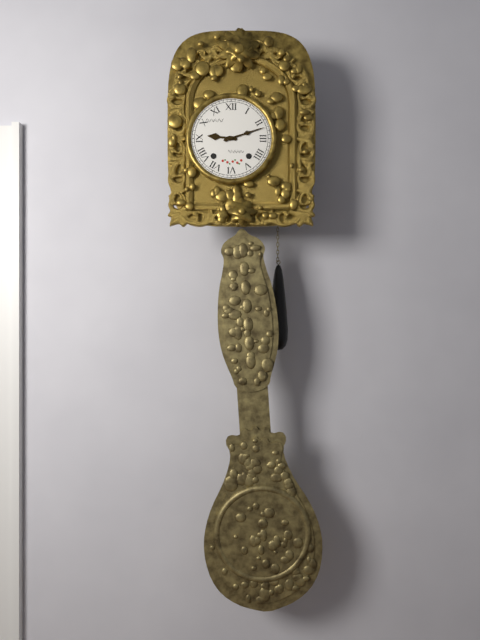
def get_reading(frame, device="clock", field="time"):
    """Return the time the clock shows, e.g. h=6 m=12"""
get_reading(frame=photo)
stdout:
h=9 m=12
